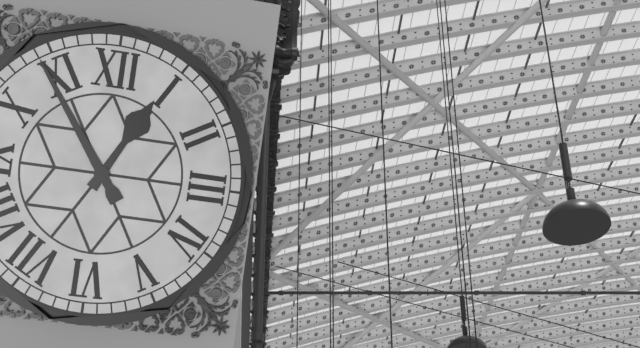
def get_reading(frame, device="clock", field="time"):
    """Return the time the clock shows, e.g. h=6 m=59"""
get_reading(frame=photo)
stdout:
h=12 m=54
